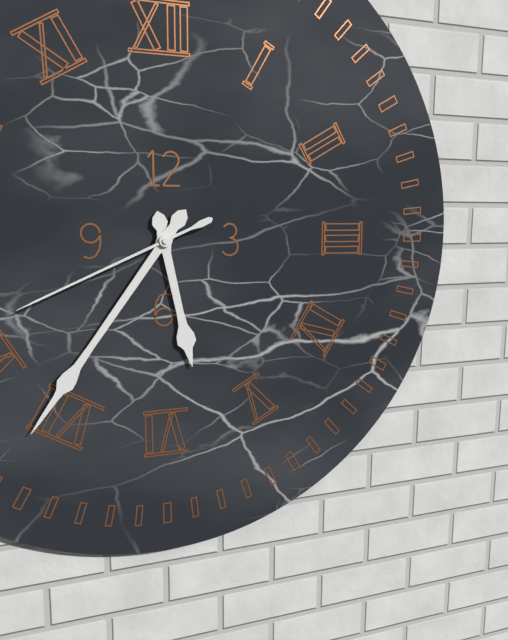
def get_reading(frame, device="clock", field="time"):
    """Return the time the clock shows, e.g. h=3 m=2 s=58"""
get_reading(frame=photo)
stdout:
h=5 m=36 s=41
